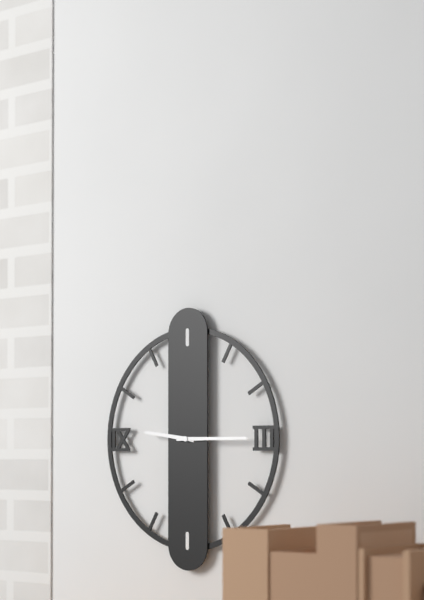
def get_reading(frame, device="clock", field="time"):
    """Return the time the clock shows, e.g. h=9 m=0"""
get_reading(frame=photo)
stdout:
h=9 m=15
